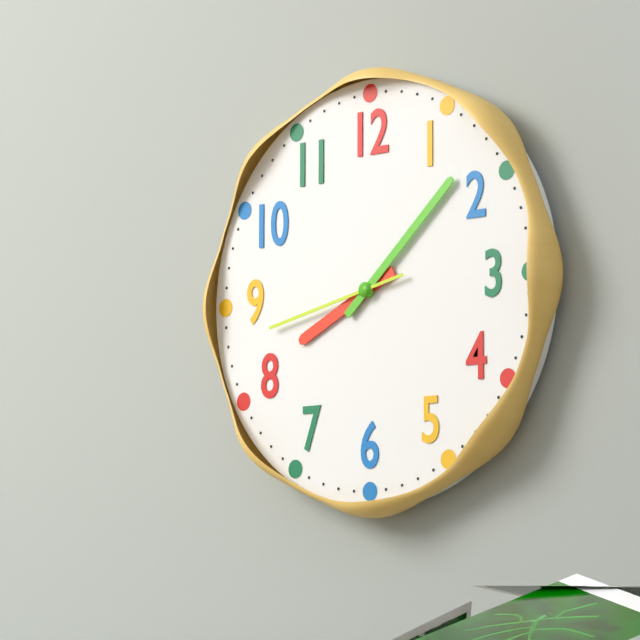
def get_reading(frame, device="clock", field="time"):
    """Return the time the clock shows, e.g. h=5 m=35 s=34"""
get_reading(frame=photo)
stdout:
h=8 m=8 s=43
